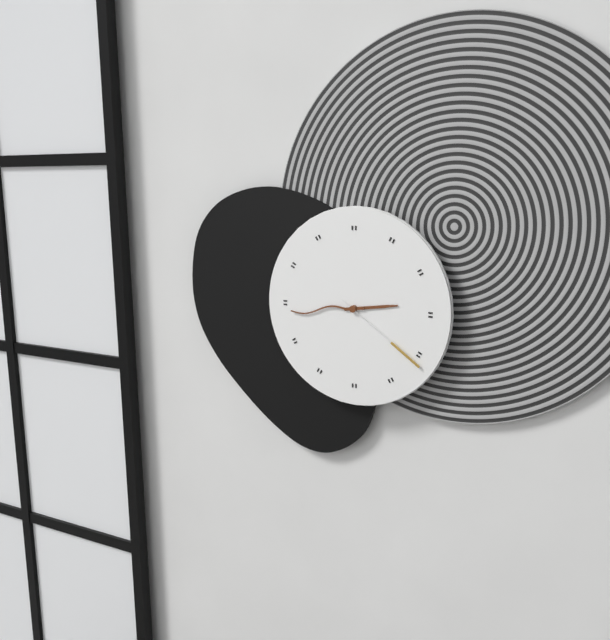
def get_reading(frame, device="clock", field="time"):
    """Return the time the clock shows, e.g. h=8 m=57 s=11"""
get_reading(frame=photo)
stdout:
h=2 m=44 s=21
